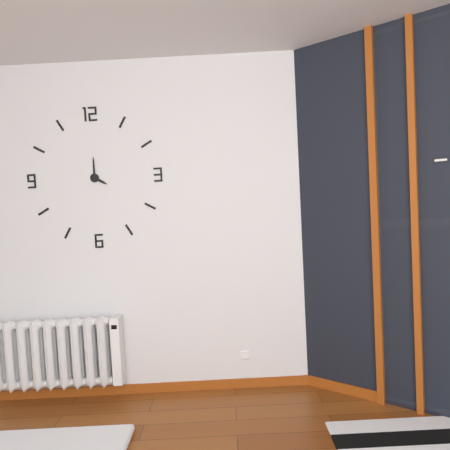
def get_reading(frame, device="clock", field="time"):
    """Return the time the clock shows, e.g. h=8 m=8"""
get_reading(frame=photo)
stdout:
h=4 m=0
